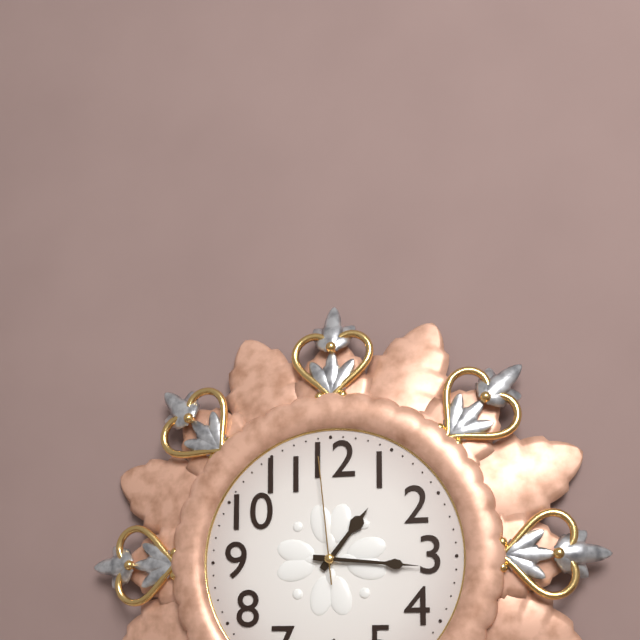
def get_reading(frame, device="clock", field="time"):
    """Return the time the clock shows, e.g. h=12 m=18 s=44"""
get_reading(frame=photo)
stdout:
h=1 m=16 s=59
